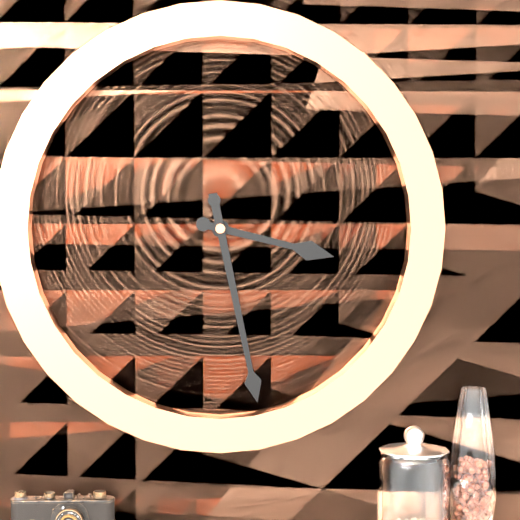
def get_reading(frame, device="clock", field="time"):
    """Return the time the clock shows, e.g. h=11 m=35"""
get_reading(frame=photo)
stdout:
h=3 m=28
